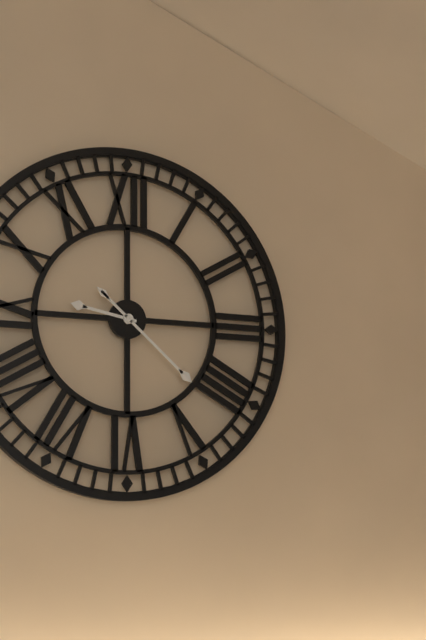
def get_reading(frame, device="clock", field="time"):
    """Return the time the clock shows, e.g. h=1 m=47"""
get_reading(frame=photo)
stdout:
h=9 m=22
